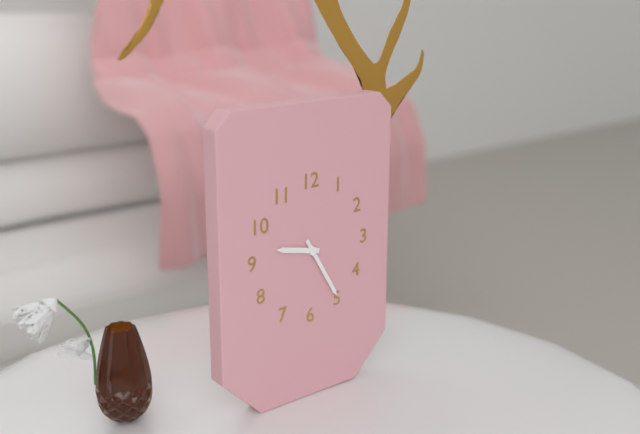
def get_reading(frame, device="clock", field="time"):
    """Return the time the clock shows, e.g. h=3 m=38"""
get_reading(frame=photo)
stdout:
h=9 m=25
